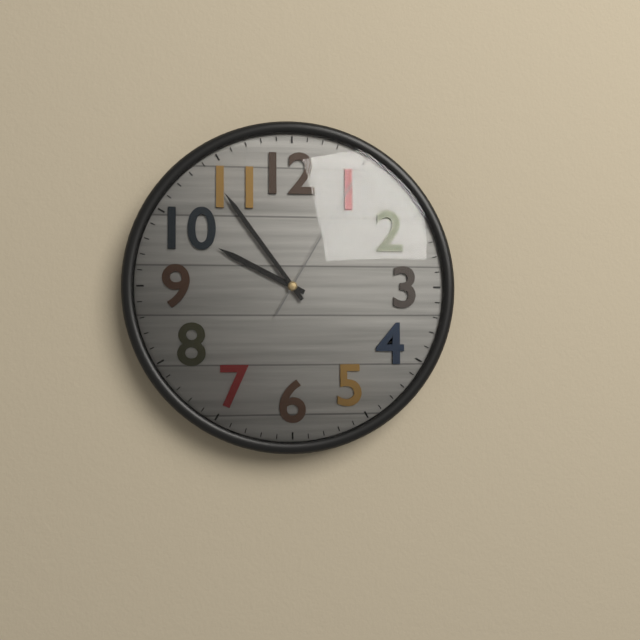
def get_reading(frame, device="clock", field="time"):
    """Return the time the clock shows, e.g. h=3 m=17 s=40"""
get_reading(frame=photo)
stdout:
h=9 m=54 s=5
